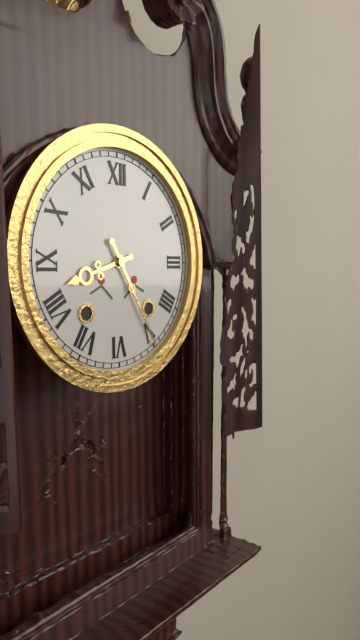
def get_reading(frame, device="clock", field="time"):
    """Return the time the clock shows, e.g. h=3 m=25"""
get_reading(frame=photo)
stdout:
h=8 m=25
